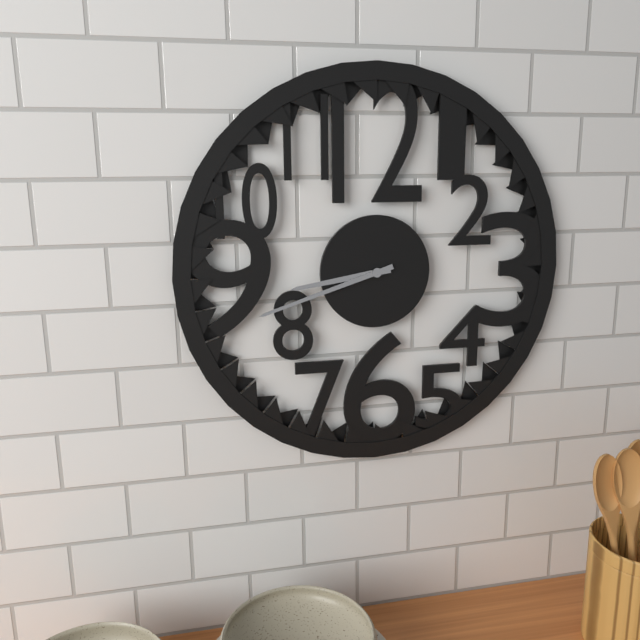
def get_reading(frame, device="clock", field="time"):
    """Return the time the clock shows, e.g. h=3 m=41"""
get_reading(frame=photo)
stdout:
h=8 m=42
